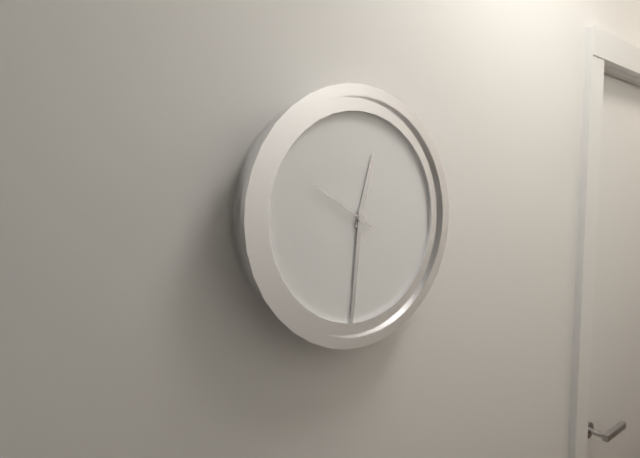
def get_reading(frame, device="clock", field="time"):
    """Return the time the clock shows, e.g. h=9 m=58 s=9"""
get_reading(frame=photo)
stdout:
h=12 m=31 s=50
